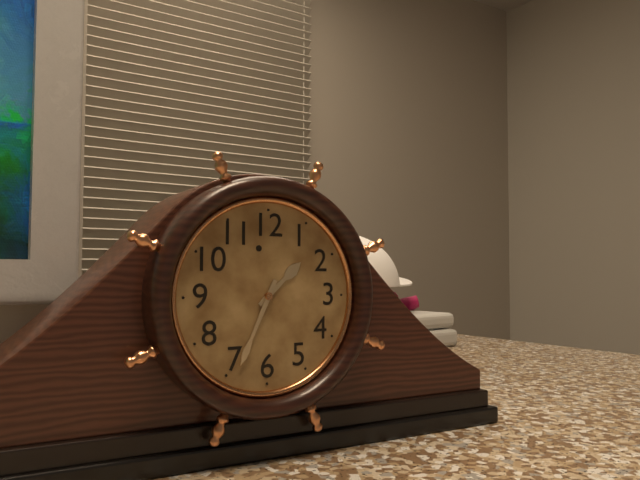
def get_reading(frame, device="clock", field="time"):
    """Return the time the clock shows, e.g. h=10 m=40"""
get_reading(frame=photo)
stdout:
h=1 m=34
